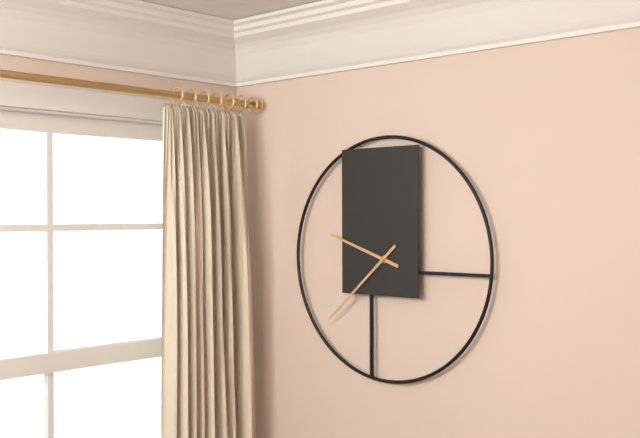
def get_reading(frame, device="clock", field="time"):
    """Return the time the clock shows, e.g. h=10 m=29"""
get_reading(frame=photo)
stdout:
h=9 m=38
